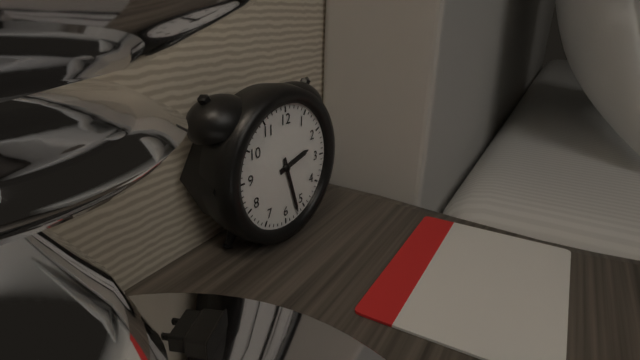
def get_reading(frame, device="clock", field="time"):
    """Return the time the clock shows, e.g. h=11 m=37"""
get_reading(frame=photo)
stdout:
h=2 m=27
